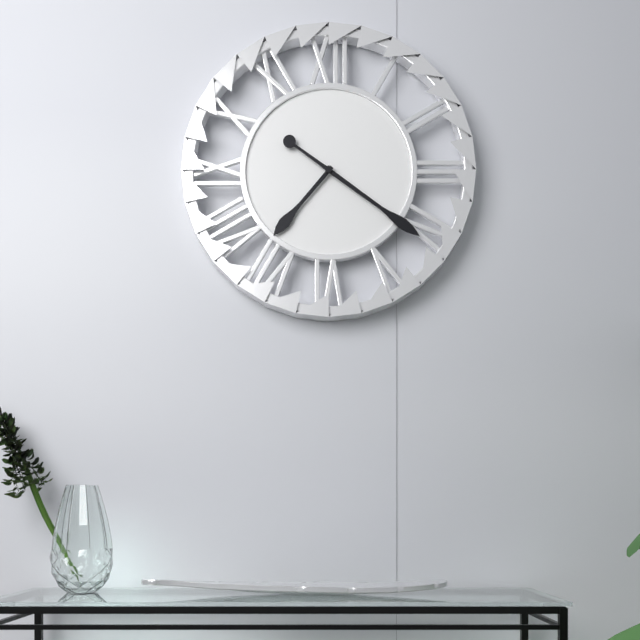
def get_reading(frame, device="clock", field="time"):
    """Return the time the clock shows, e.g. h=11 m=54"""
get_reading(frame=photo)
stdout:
h=7 m=21
